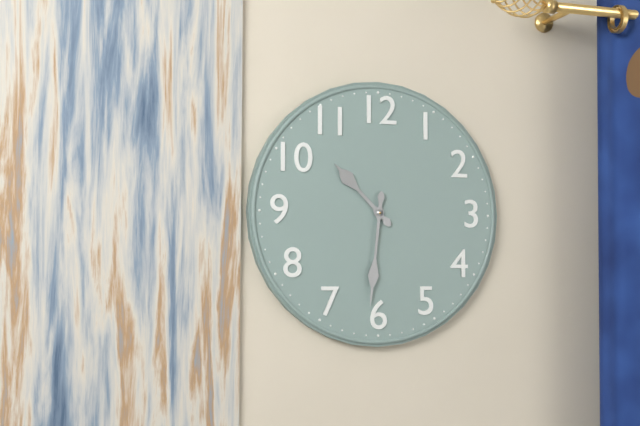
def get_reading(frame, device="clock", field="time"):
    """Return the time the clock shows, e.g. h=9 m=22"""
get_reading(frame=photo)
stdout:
h=10 m=31
